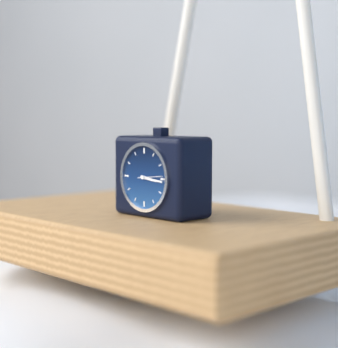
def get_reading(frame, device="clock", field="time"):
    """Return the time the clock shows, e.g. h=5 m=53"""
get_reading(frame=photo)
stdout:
h=3 m=16
